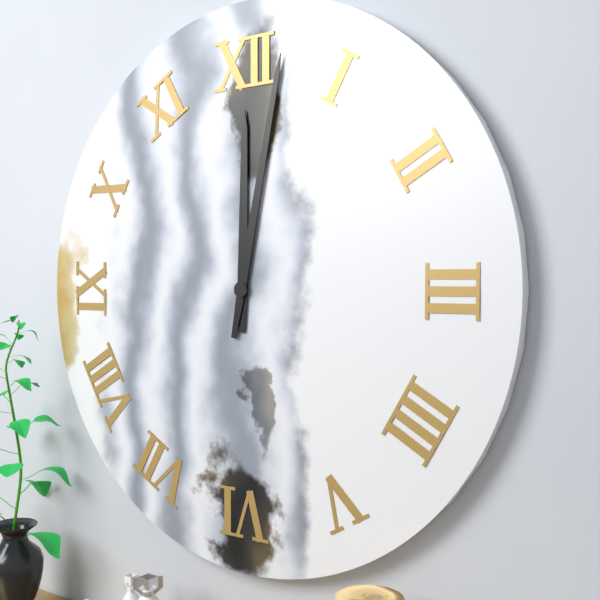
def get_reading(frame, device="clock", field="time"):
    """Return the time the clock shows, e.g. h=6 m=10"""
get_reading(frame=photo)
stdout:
h=12 m=2
